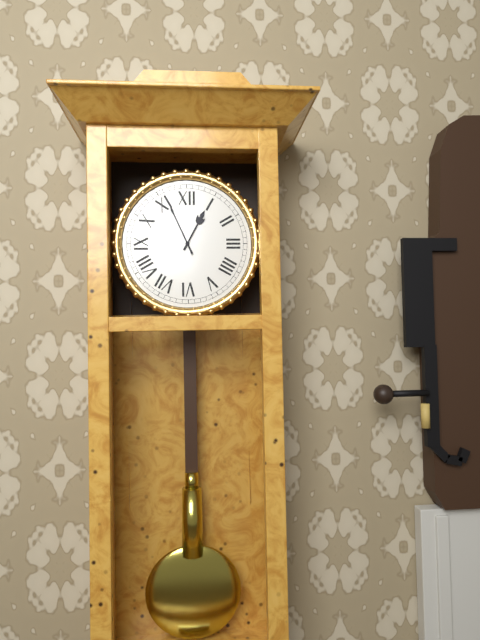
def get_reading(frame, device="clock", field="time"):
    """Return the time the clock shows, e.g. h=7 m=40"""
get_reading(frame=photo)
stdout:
h=12 m=56
